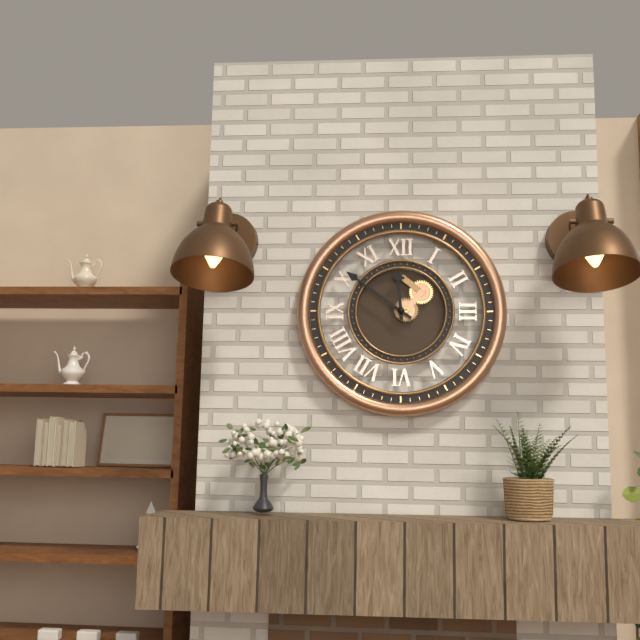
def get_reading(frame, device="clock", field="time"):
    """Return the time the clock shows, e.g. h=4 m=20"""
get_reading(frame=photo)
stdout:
h=11 m=51
